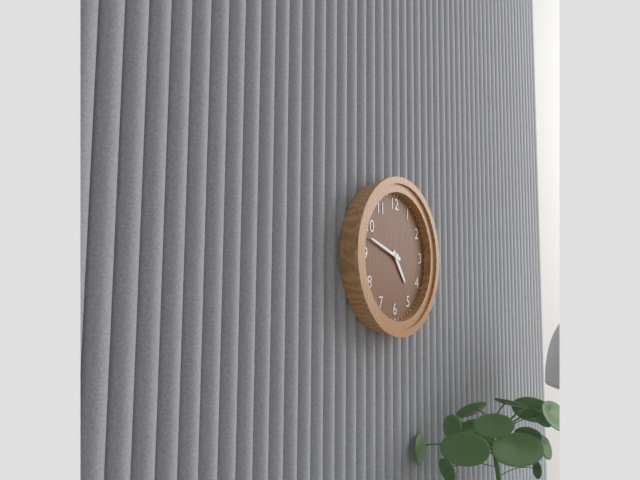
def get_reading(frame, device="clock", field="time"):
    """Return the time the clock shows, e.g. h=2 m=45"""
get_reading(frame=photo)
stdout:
h=4 m=48
